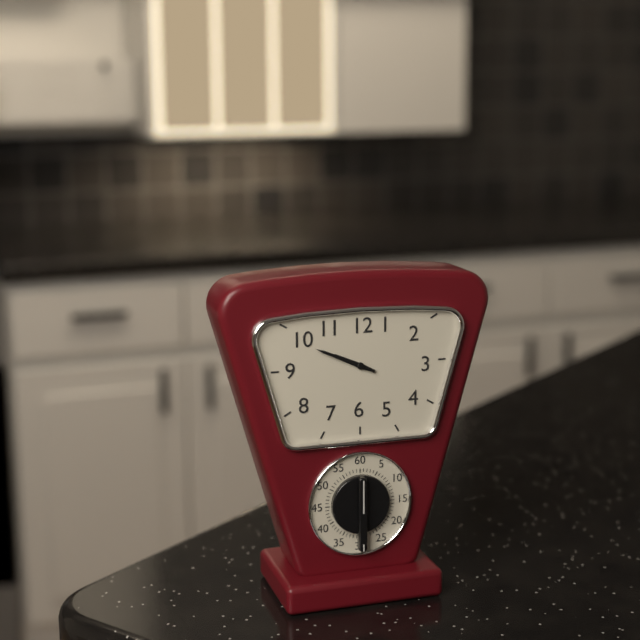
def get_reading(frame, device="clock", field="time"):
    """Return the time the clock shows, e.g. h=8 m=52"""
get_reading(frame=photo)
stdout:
h=9 m=49
